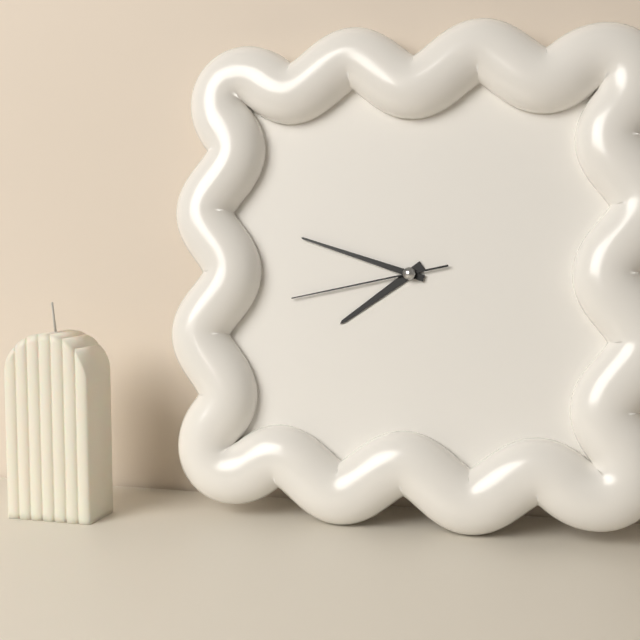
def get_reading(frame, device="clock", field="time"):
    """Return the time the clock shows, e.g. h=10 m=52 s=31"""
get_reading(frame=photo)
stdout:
h=7 m=48 s=43
